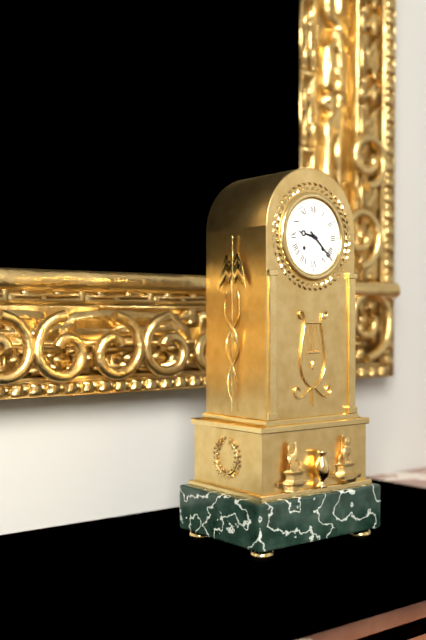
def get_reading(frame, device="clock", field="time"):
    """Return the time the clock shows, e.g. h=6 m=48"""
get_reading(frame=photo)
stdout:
h=9 m=22
